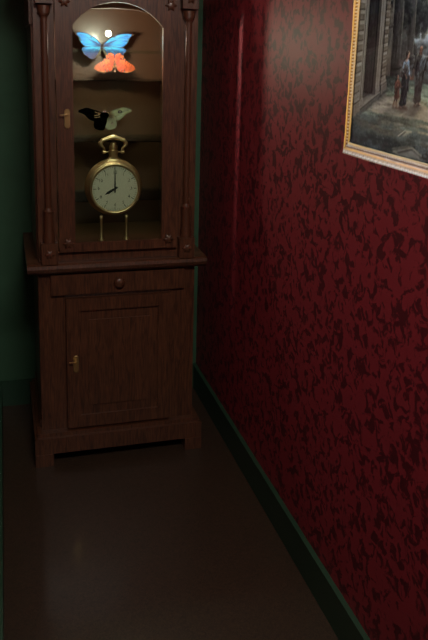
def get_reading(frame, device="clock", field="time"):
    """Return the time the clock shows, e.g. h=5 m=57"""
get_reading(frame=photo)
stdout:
h=8 m=0
